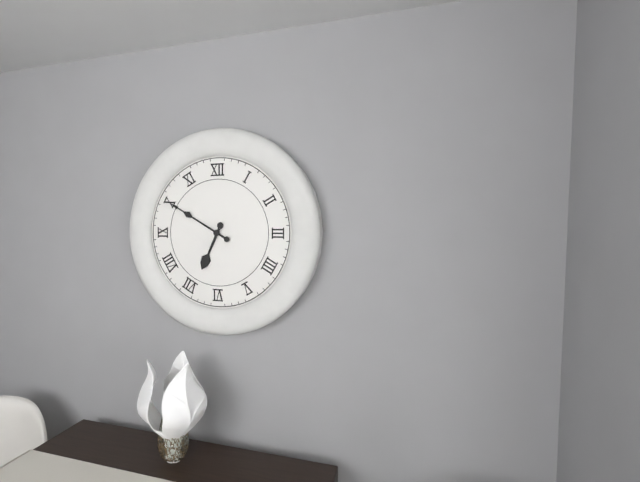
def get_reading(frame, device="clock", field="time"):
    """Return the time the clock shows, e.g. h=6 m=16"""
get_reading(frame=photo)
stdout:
h=6 m=50
